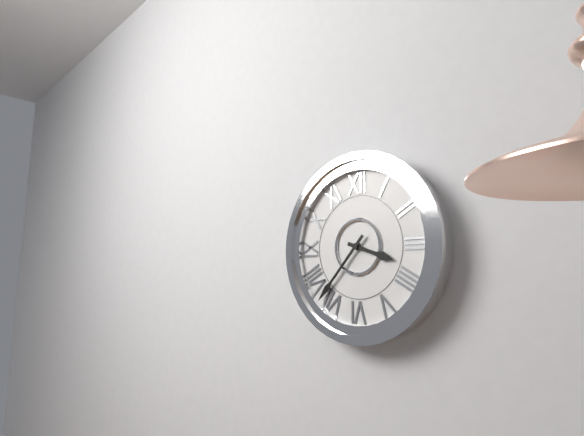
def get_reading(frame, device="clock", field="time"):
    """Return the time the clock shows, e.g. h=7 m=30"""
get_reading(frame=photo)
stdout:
h=3 m=37
